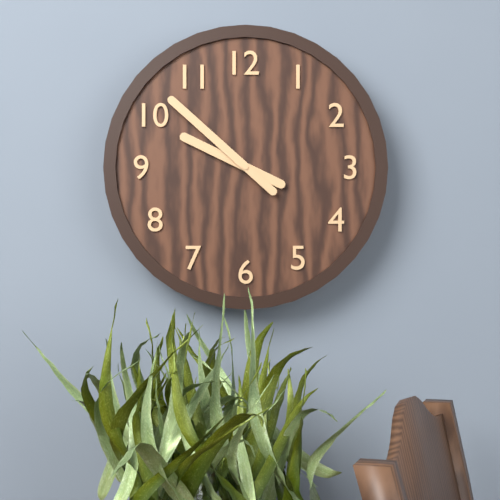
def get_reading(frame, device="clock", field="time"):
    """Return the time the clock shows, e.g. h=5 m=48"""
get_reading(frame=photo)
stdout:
h=9 m=52
